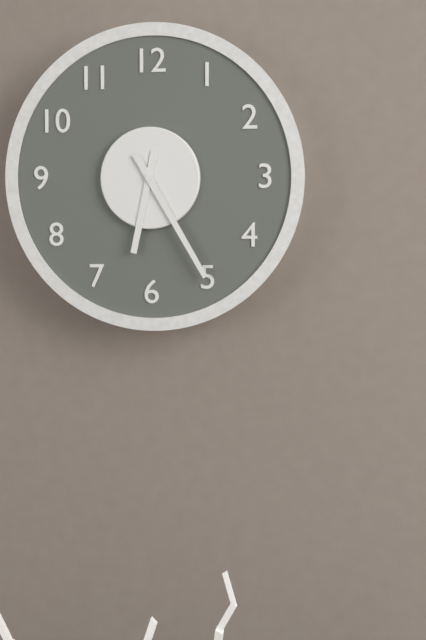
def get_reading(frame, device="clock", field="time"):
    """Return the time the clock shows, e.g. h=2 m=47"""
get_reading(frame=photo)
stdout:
h=6 m=25
